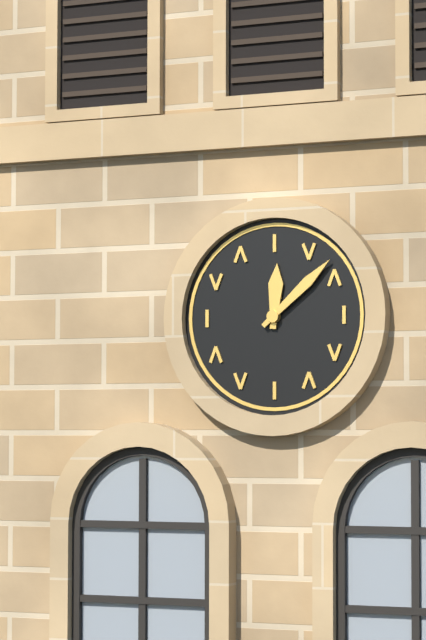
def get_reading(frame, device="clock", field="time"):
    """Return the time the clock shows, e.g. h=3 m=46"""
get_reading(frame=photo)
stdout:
h=12 m=8
